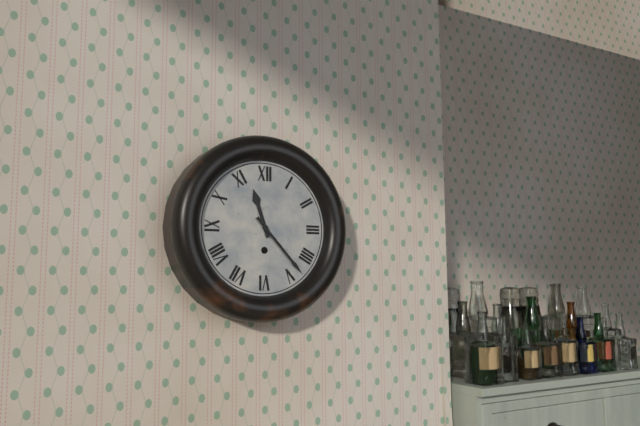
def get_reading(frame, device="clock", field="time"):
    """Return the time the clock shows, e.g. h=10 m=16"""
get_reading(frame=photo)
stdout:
h=11 m=23
